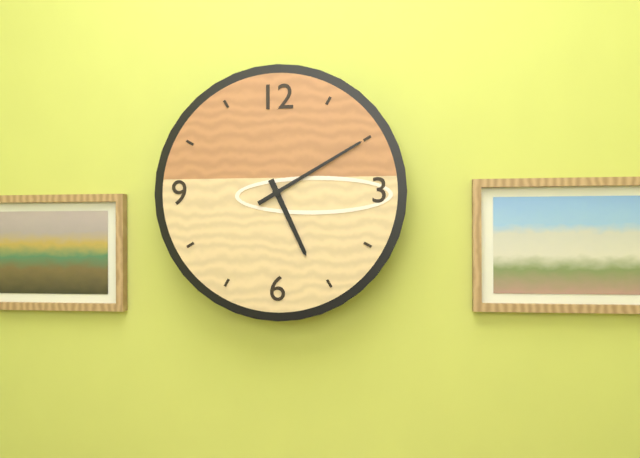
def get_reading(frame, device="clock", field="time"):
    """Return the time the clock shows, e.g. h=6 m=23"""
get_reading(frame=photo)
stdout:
h=5 m=10
